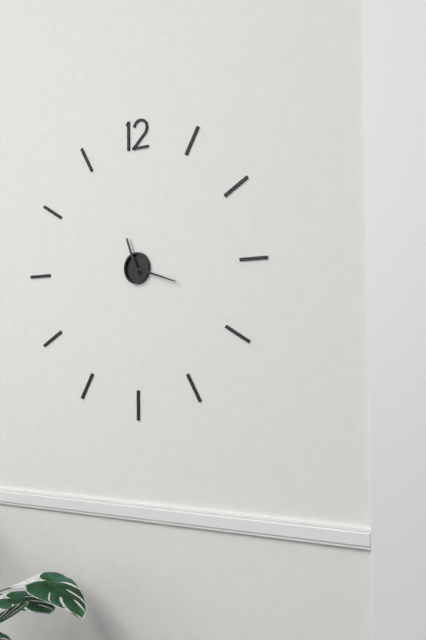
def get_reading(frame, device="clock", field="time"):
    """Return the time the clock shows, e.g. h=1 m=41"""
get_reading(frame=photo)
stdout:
h=11 m=18
